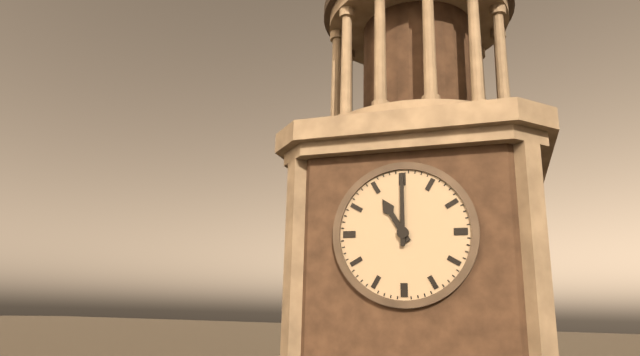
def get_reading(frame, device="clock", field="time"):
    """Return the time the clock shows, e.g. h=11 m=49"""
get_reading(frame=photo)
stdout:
h=11 m=0
